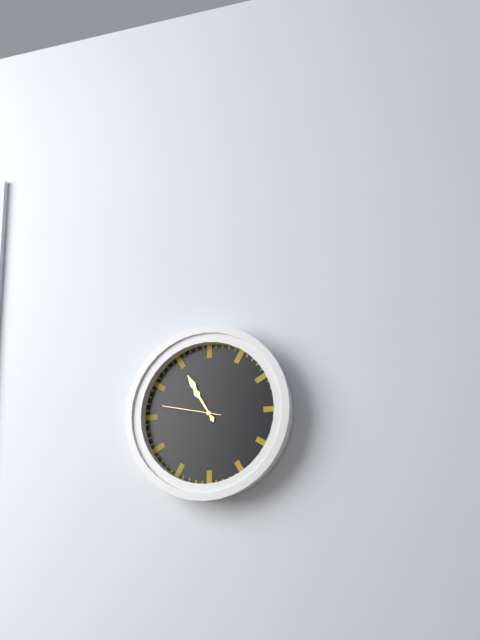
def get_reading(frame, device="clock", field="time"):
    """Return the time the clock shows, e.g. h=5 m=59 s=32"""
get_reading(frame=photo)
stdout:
h=10 m=55 s=47
